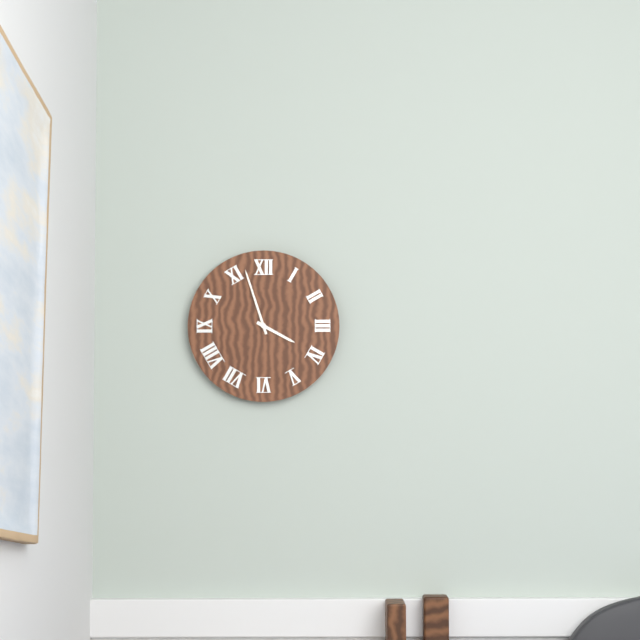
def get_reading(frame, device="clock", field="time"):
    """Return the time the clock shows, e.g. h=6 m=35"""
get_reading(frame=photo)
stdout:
h=3 m=57
